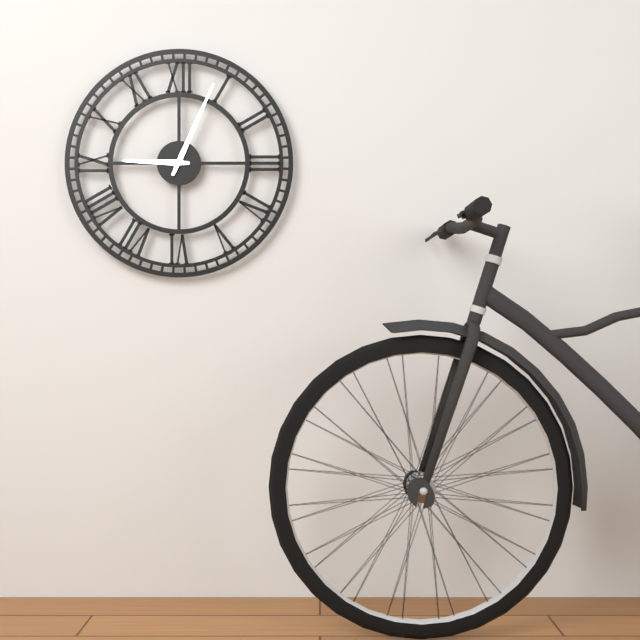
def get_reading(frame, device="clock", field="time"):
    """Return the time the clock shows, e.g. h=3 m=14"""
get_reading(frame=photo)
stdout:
h=9 m=4
